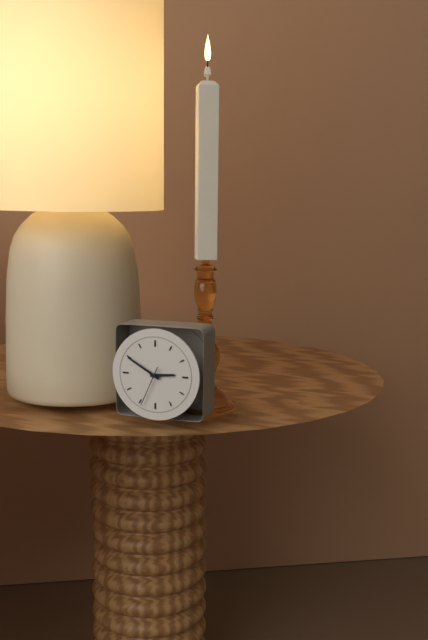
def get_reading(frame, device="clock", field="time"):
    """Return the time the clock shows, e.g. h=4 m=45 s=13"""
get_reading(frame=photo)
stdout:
h=2 m=50 s=34
